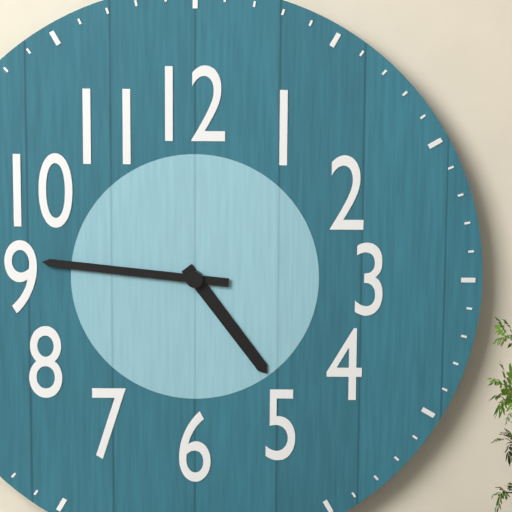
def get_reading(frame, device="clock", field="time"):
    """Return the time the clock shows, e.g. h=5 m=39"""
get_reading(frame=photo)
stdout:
h=4 m=46
